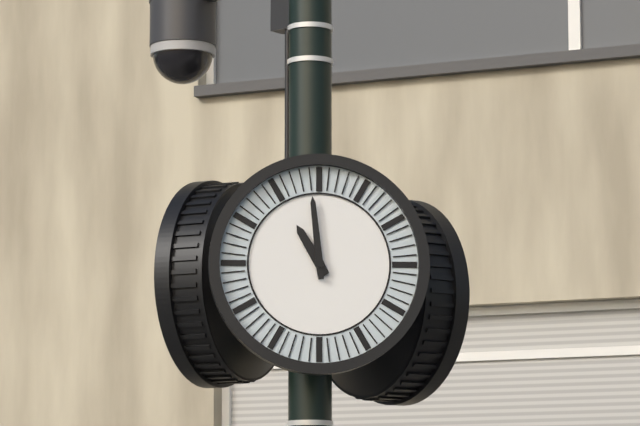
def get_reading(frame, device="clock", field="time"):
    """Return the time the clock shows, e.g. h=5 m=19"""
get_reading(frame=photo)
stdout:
h=10 m=59
